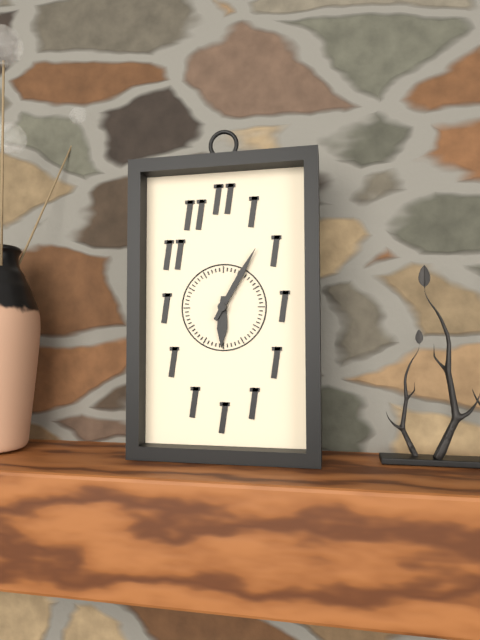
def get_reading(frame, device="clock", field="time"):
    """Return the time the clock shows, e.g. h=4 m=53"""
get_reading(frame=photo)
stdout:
h=6 m=5
